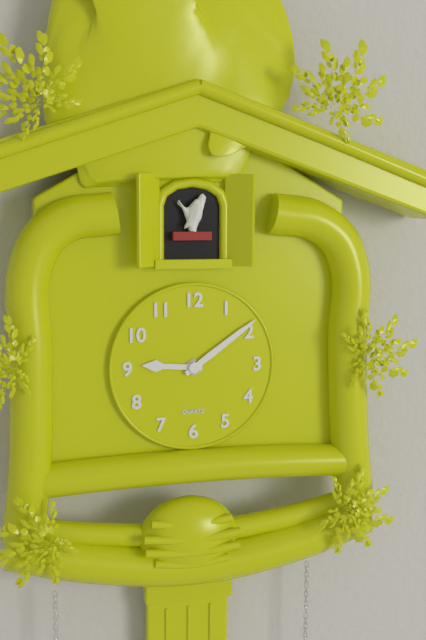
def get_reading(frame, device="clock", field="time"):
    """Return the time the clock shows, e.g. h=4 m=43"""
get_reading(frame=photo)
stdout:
h=9 m=9
